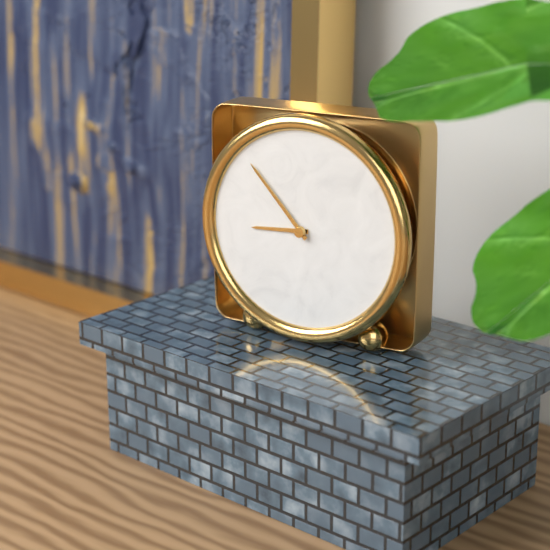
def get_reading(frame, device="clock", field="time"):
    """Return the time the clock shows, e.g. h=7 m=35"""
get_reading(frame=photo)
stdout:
h=8 m=53
